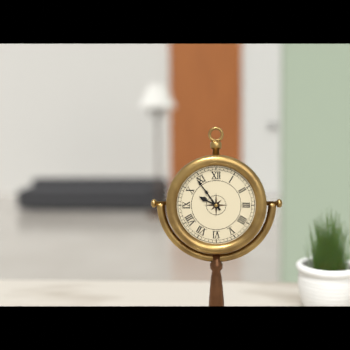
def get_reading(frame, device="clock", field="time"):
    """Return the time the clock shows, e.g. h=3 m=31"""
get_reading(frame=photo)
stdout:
h=9 m=54
